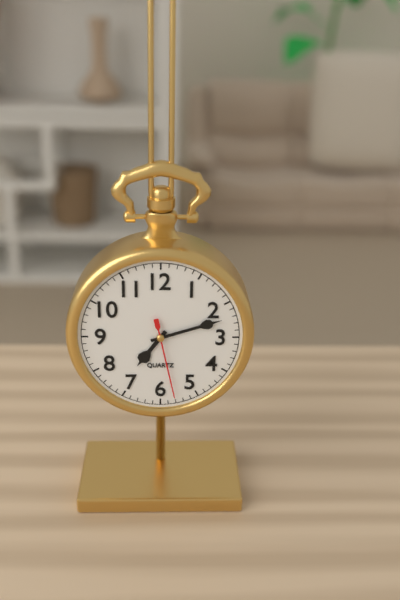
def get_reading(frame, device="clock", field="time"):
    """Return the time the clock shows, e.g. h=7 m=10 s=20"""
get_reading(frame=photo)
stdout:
h=7 m=12 s=28
